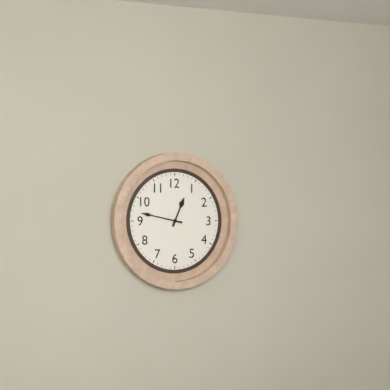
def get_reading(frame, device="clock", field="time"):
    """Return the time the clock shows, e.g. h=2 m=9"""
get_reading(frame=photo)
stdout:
h=12 m=47
